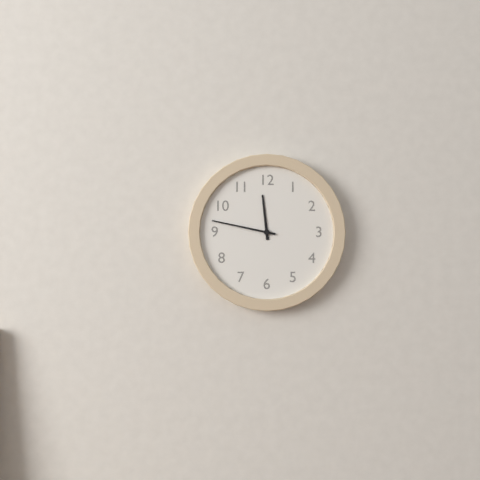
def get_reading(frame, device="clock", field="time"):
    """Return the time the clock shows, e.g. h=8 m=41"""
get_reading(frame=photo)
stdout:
h=11 m=47
